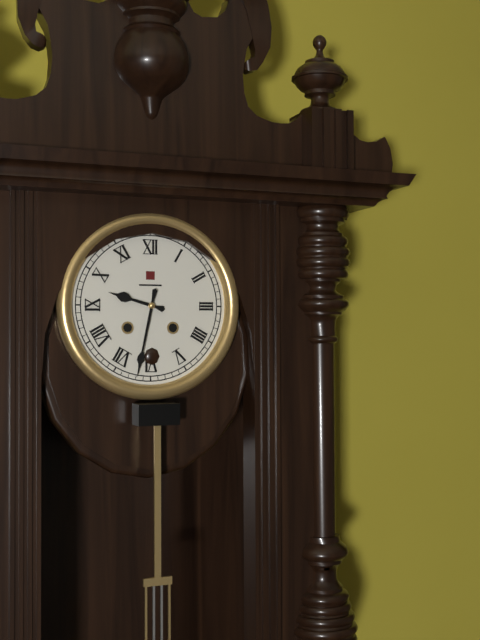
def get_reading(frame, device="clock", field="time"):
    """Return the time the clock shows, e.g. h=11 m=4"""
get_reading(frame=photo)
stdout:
h=9 m=32
